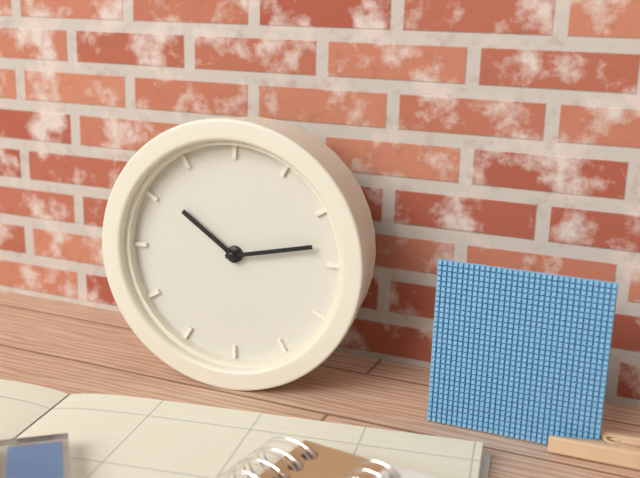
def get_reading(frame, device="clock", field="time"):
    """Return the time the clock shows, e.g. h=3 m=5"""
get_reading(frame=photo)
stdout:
h=10 m=13
